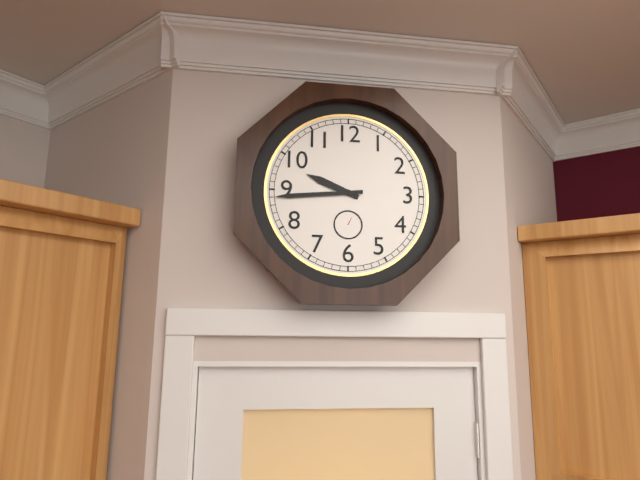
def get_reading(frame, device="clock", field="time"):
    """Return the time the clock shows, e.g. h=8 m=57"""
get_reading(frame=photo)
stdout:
h=9 m=44
